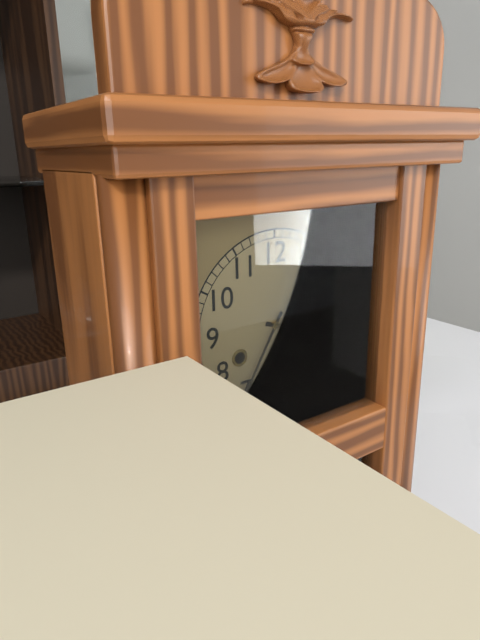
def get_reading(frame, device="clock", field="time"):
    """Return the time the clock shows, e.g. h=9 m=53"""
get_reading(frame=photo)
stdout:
h=3 m=35
